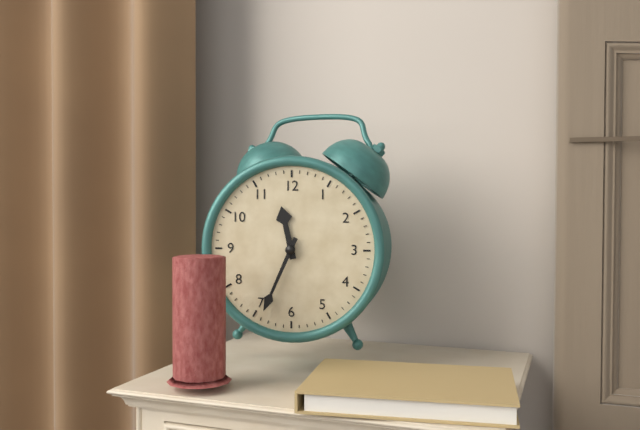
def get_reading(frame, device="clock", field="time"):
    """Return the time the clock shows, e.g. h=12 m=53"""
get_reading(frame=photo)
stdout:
h=11 m=34
